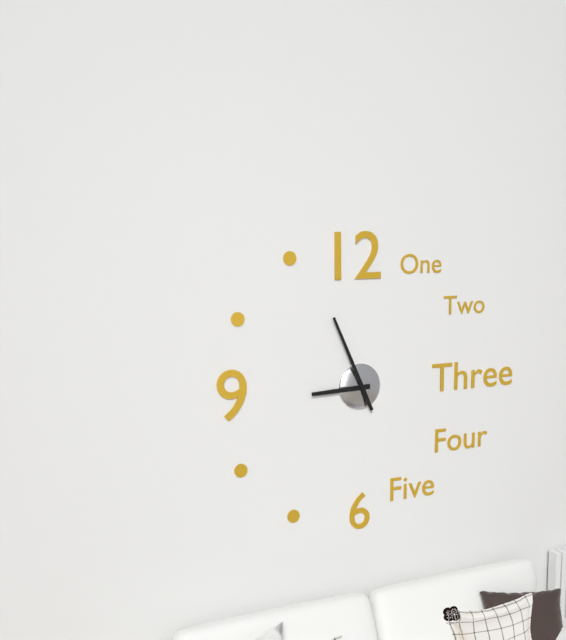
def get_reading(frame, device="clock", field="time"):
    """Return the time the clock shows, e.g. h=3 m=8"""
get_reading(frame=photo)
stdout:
h=8 m=56
